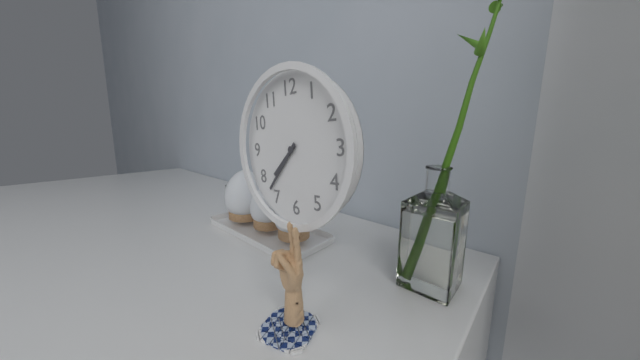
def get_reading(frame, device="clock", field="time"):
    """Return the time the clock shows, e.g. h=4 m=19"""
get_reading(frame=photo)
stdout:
h=7 m=37
